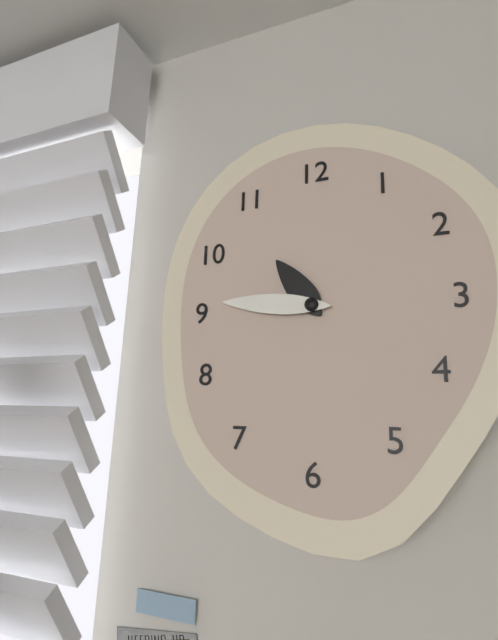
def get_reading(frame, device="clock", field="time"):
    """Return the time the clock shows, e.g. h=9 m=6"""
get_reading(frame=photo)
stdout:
h=10 m=46
